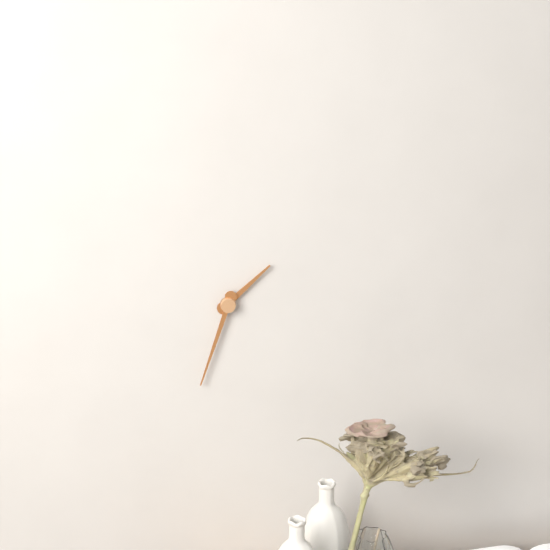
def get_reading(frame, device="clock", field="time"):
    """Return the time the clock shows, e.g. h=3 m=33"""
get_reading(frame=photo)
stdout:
h=1 m=33
